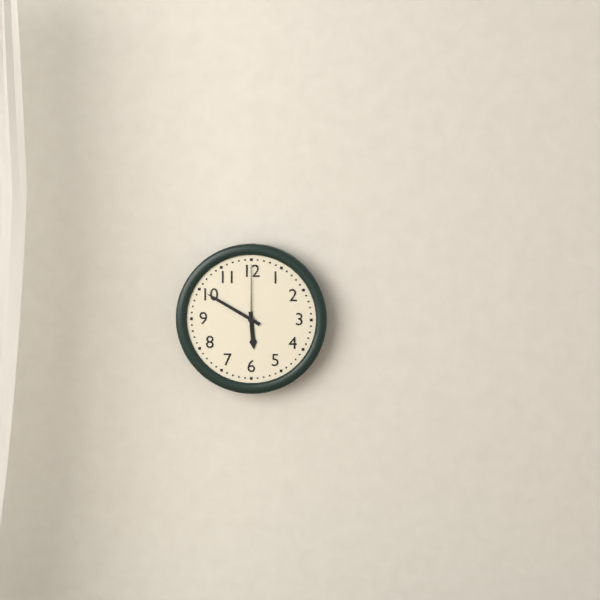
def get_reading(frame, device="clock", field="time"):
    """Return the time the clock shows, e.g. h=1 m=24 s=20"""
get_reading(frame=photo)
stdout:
h=5 m=50 s=0
